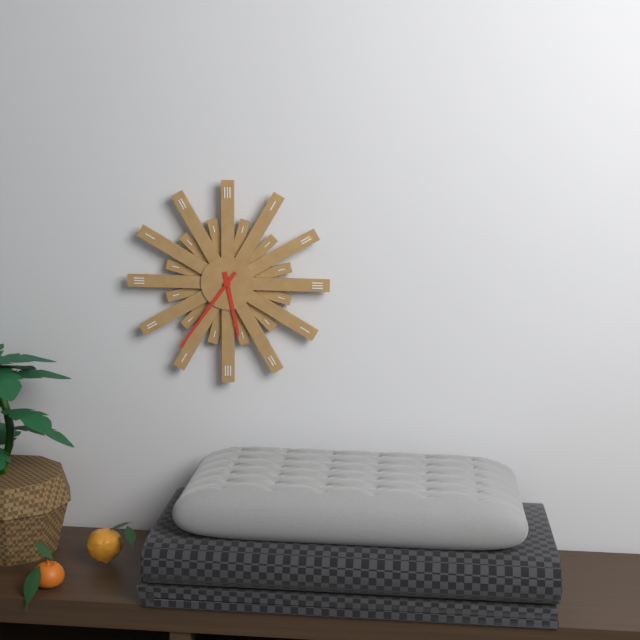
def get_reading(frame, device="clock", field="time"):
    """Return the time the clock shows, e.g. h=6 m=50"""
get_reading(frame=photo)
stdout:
h=5 m=36
